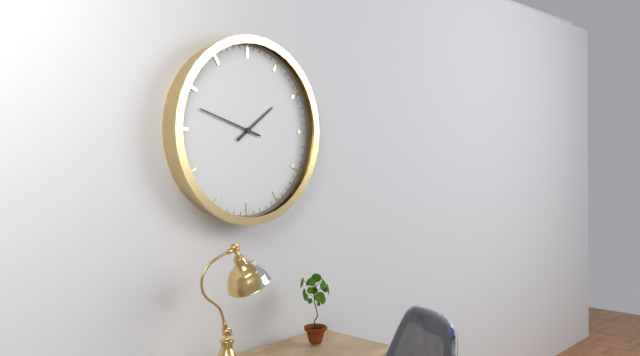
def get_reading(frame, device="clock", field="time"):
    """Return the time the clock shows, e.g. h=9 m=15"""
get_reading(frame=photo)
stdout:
h=1 m=48
